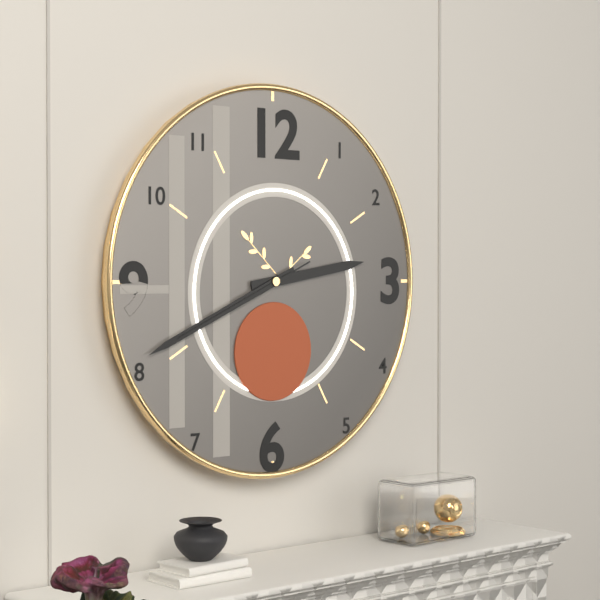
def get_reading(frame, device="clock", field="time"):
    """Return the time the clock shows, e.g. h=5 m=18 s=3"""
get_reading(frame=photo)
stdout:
h=2 m=41 s=41
